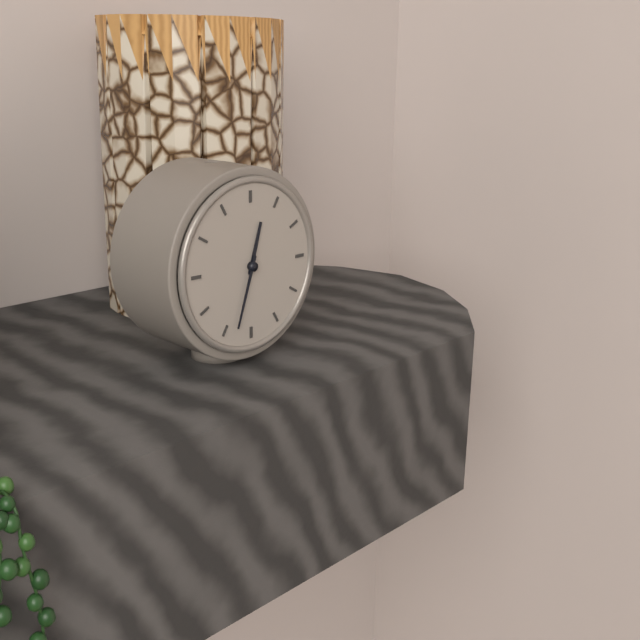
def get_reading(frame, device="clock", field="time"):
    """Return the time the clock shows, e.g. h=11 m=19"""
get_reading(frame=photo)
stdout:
h=12 m=33
